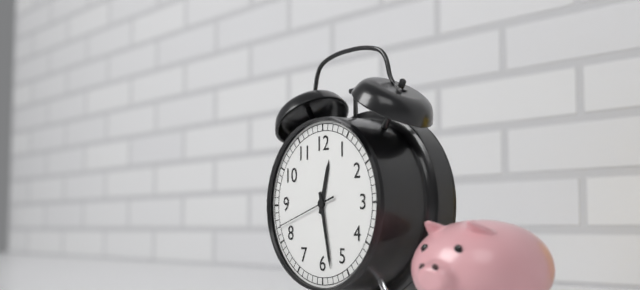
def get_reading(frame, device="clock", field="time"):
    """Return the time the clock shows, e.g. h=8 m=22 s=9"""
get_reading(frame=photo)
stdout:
h=12 m=28 s=42
